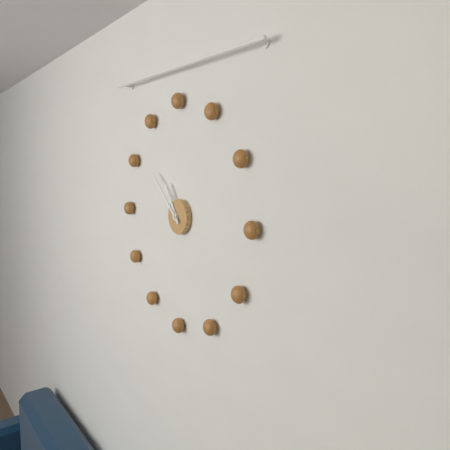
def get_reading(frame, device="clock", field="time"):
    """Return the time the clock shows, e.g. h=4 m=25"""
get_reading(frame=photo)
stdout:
h=10 m=52
